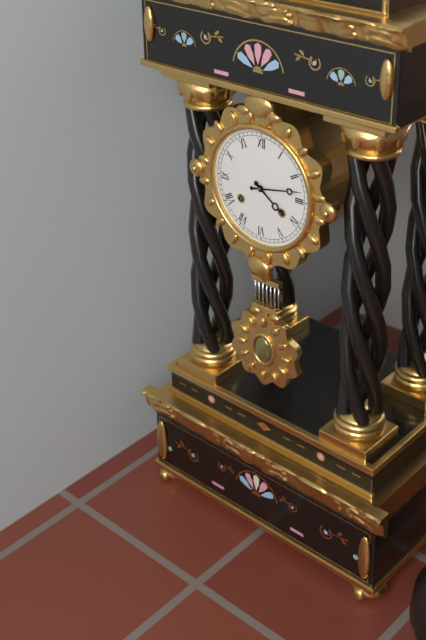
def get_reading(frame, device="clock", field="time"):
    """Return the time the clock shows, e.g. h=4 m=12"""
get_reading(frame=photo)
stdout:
h=4 m=13
